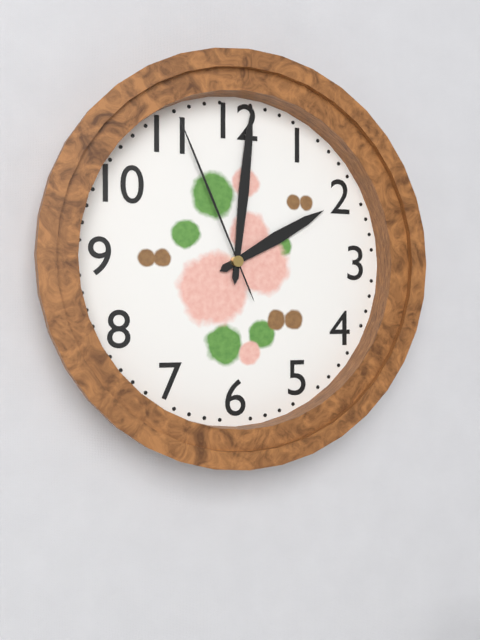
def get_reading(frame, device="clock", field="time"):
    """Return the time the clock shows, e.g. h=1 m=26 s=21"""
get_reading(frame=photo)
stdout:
h=2 m=1 s=56
